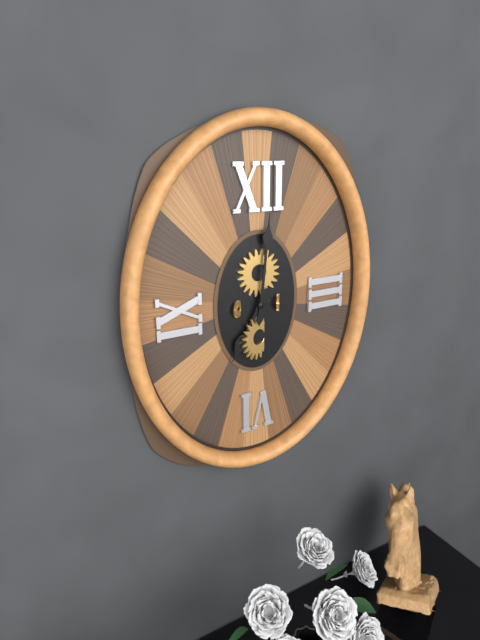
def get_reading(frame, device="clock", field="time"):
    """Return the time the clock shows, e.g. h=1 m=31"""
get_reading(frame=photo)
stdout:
h=7 m=1
